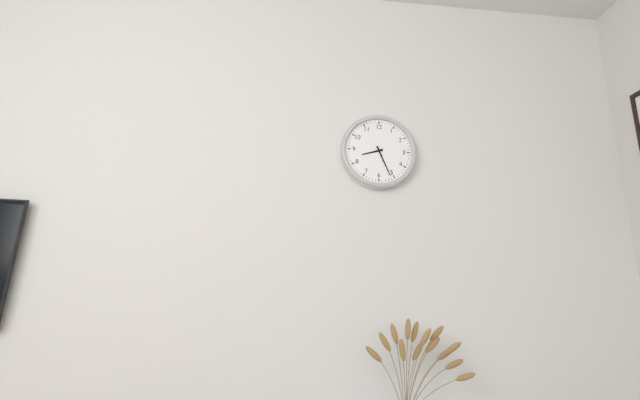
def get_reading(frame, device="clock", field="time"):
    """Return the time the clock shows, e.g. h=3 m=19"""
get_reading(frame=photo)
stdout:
h=8 m=26
